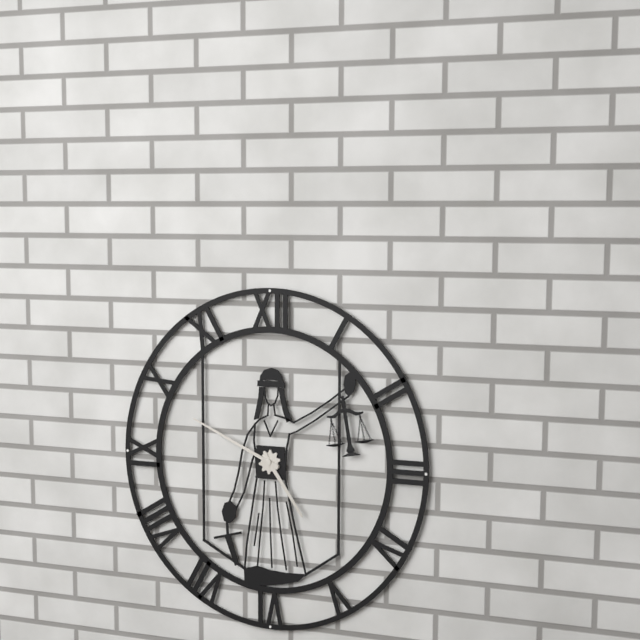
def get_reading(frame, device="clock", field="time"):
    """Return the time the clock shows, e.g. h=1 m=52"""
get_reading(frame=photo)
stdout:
h=4 m=49
